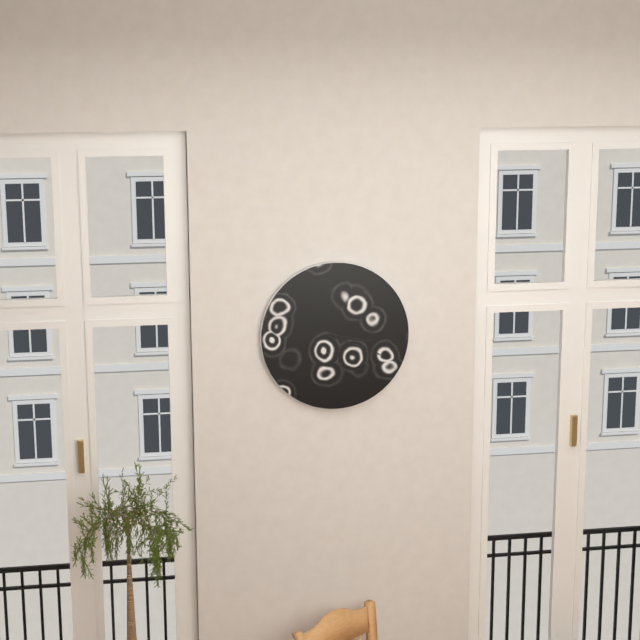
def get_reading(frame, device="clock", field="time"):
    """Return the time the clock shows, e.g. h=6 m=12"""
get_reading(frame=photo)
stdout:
h=3 m=19
